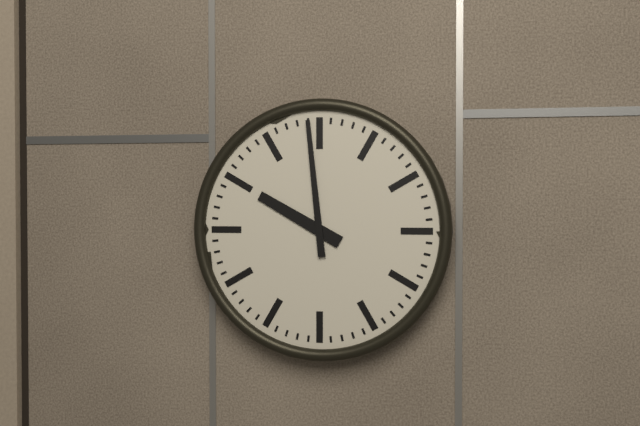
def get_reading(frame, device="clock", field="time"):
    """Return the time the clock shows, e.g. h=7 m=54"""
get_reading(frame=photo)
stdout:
h=9 m=59
